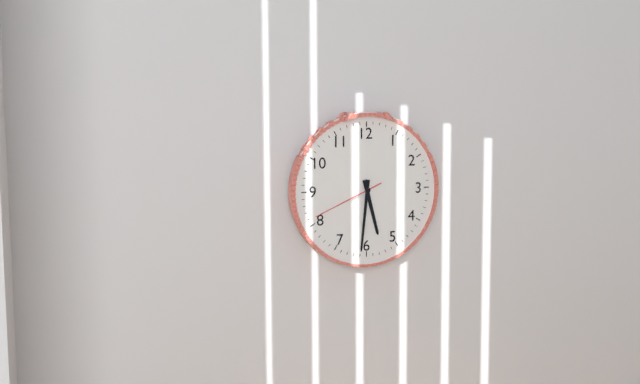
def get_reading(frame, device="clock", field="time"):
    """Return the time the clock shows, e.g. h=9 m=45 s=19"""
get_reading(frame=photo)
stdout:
h=5 m=31 s=41
